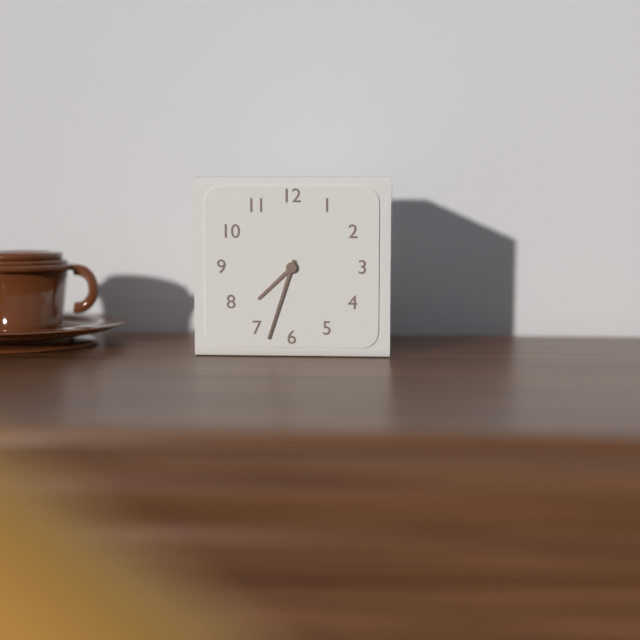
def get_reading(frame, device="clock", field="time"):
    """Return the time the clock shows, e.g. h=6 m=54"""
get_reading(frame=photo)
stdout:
h=7 m=33
